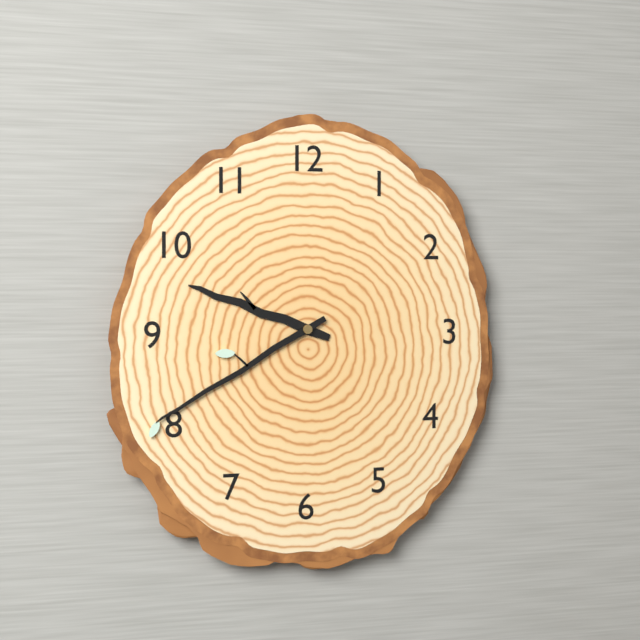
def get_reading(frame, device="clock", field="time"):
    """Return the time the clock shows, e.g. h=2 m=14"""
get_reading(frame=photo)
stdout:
h=9 m=40
